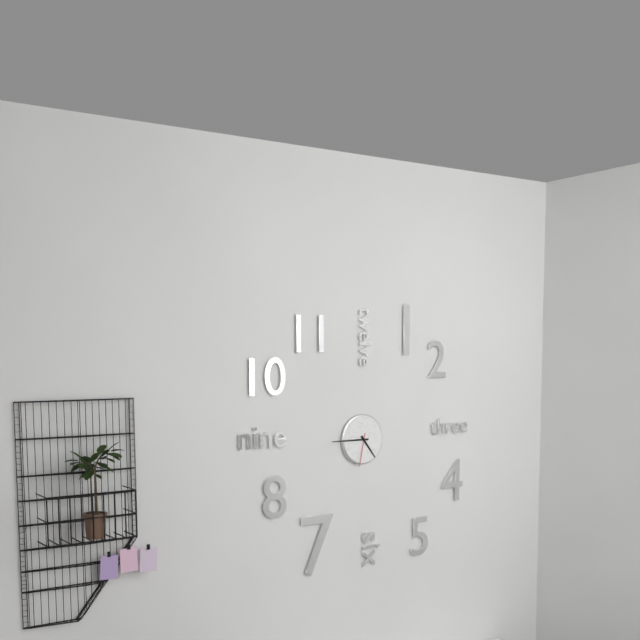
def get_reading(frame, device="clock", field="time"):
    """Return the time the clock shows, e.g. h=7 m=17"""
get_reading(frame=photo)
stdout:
h=4 m=45
